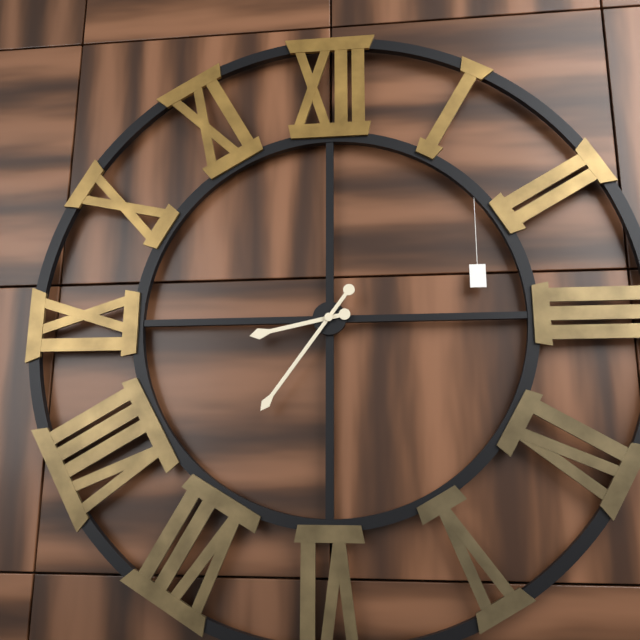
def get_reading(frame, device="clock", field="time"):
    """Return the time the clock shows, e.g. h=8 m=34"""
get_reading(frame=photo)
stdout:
h=8 m=36
